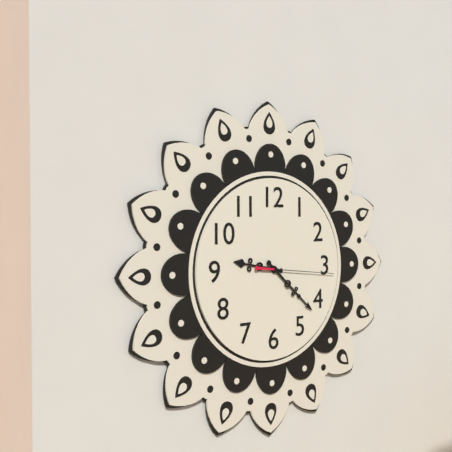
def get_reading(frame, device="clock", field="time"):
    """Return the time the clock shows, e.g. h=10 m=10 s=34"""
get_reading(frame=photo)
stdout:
h=9 m=22 s=16
